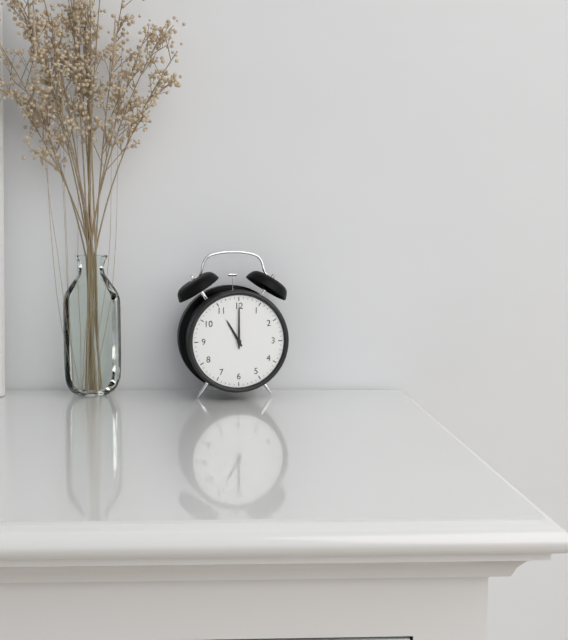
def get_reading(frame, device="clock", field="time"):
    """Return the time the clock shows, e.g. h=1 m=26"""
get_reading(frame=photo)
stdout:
h=11 m=0
